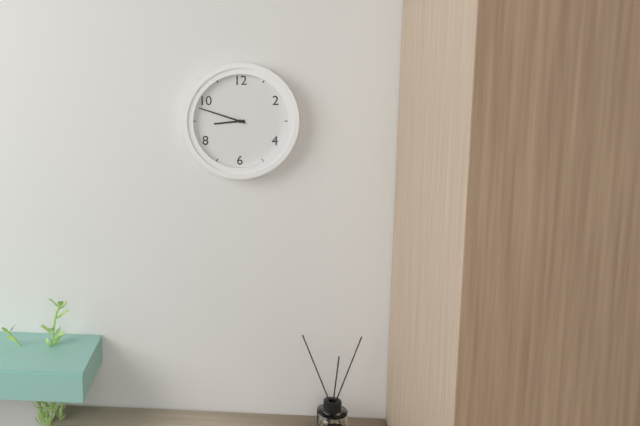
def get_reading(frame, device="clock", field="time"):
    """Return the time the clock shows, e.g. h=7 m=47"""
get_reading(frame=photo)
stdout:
h=8 m=48
